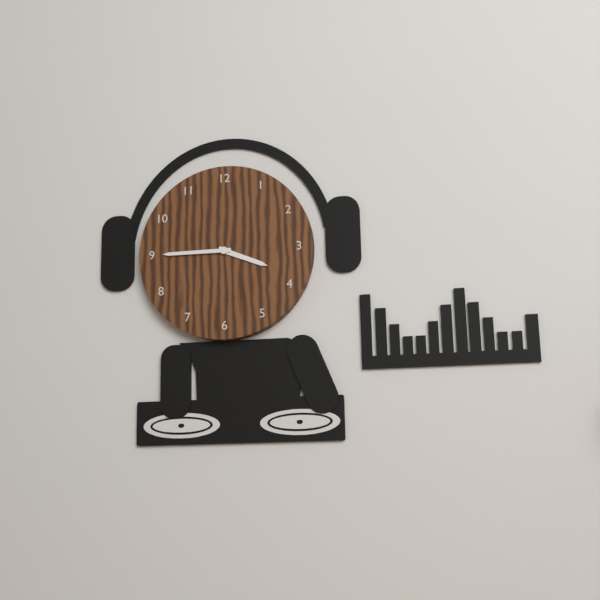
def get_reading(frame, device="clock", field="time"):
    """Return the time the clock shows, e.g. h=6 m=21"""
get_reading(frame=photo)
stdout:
h=3 m=45
